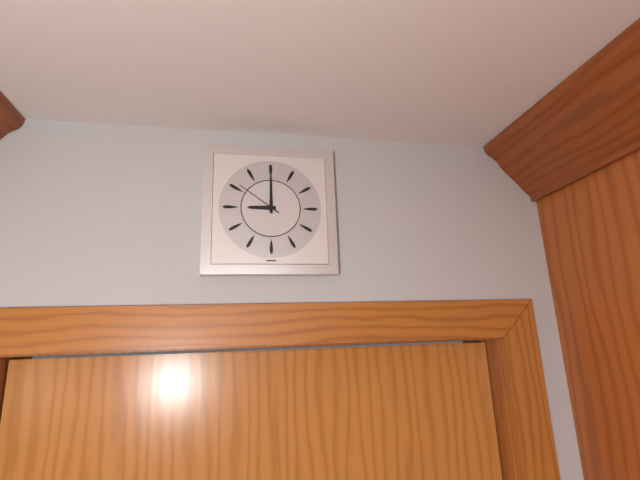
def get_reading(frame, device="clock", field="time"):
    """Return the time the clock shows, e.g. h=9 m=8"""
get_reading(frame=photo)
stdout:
h=9 m=0
